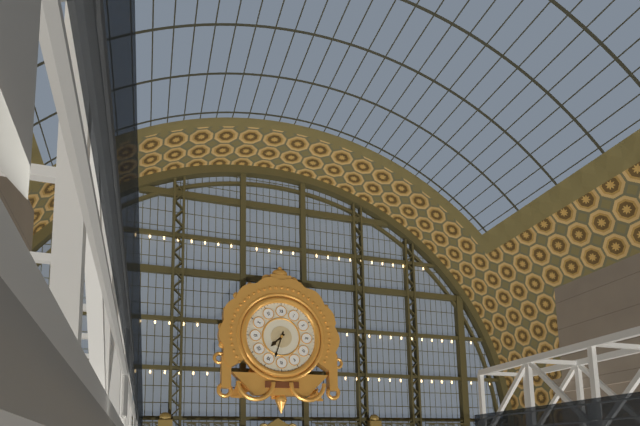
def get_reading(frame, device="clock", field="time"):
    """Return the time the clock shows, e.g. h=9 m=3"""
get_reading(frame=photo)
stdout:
h=7 m=33
